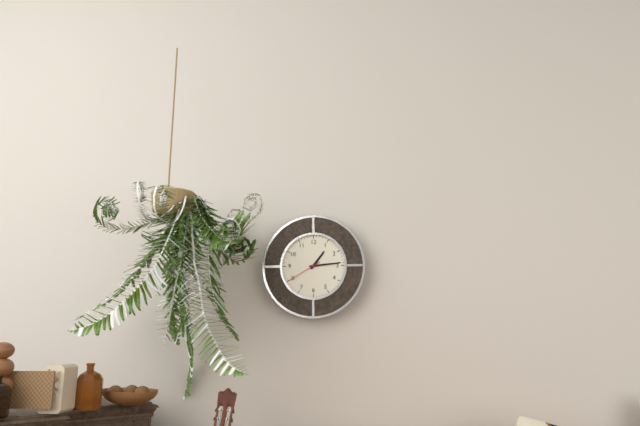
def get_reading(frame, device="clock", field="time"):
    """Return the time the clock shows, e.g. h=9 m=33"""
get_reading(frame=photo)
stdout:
h=1 m=14
